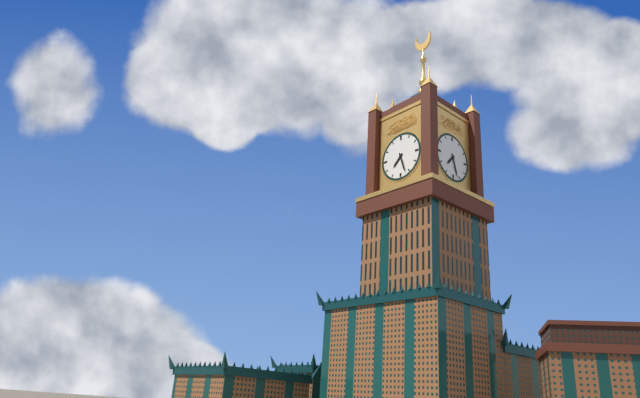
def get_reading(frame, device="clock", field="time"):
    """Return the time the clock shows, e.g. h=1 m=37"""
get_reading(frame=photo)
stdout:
h=7 m=27
